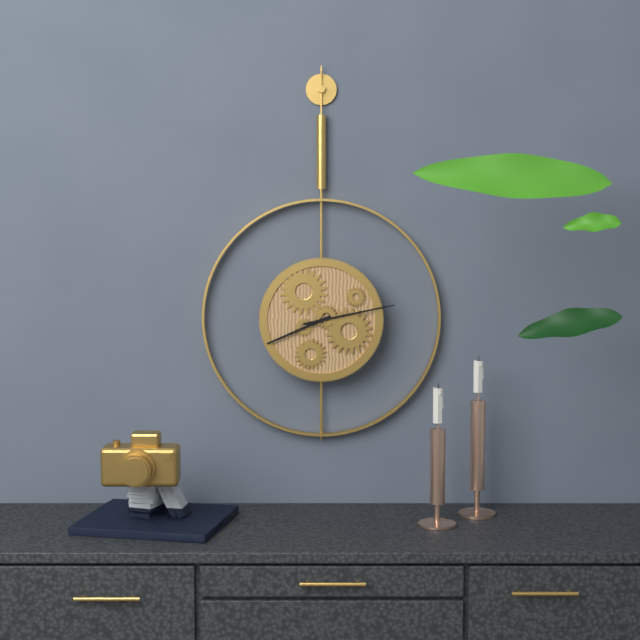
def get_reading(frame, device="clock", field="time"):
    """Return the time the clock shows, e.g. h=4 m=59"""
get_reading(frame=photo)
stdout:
h=8 m=13
